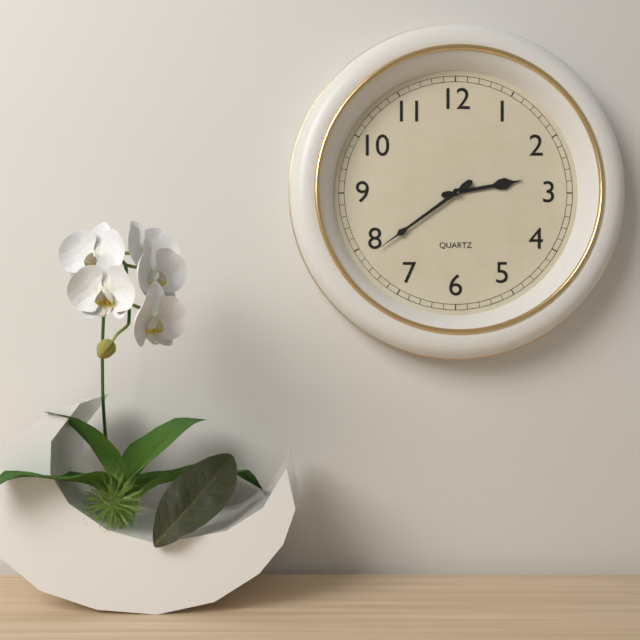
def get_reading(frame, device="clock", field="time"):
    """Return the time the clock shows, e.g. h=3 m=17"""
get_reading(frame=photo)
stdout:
h=2 m=39
